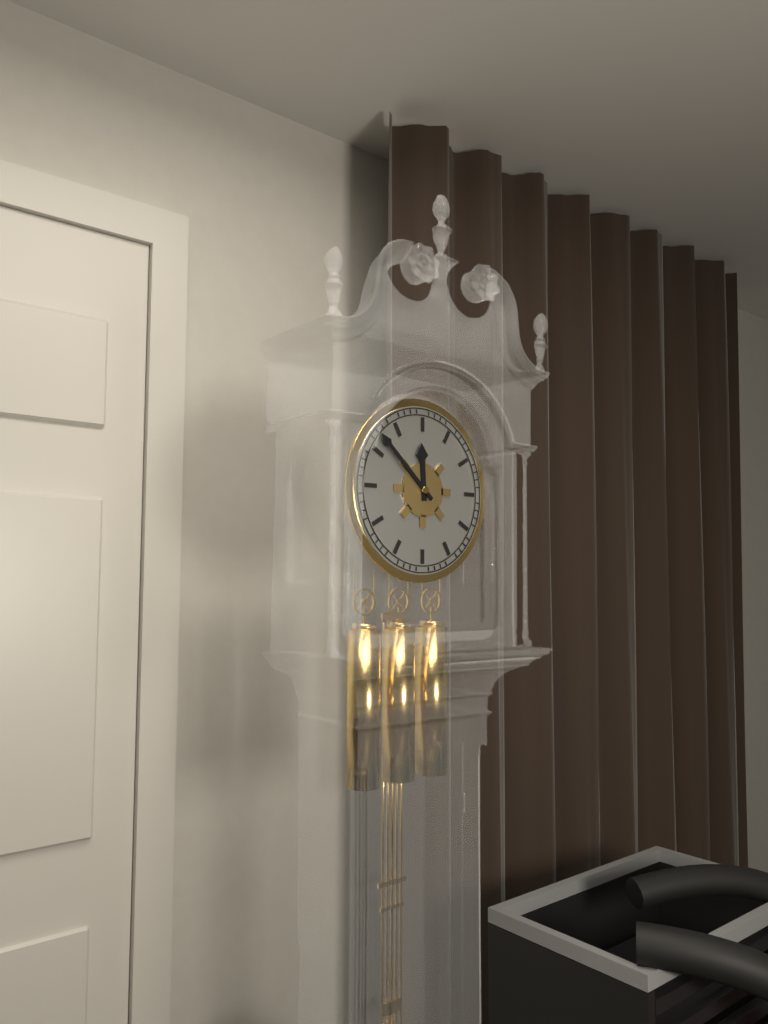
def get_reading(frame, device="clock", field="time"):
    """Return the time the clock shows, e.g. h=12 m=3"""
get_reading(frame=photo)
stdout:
h=11 m=52
